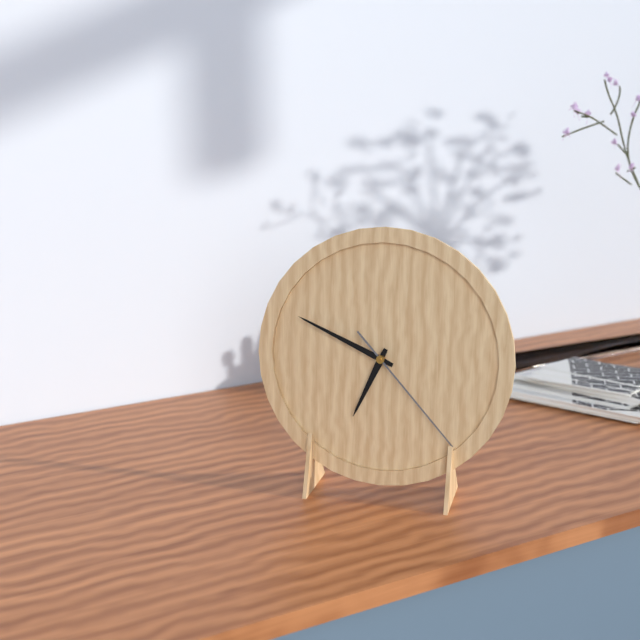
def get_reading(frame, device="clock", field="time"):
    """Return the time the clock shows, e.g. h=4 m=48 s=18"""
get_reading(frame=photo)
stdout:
h=6 m=49 s=23
